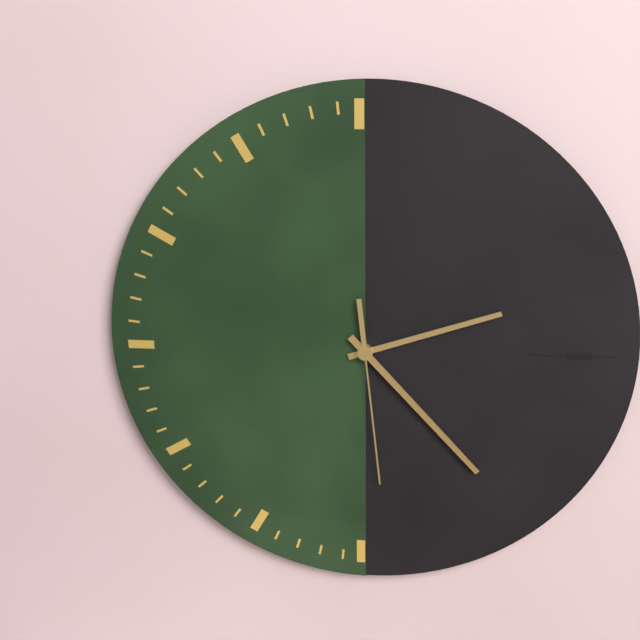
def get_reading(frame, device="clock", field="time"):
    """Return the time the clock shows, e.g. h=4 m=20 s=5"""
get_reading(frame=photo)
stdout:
h=2 m=23 s=29
